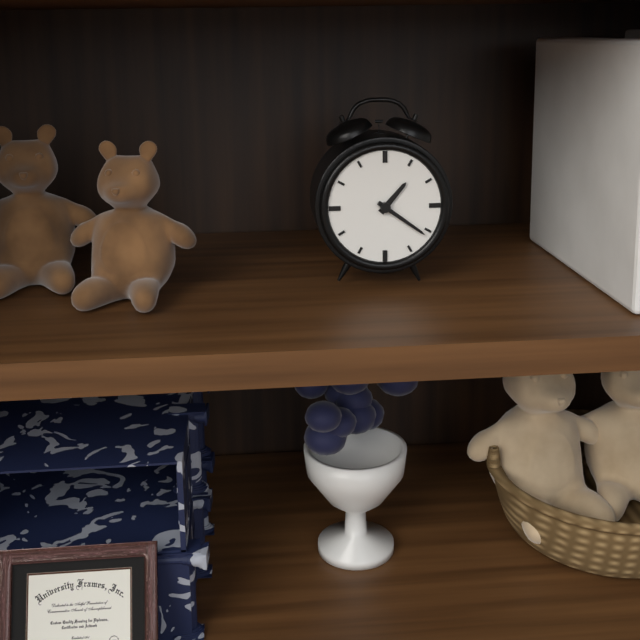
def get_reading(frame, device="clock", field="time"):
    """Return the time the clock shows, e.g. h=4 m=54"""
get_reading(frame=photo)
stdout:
h=1 m=21
